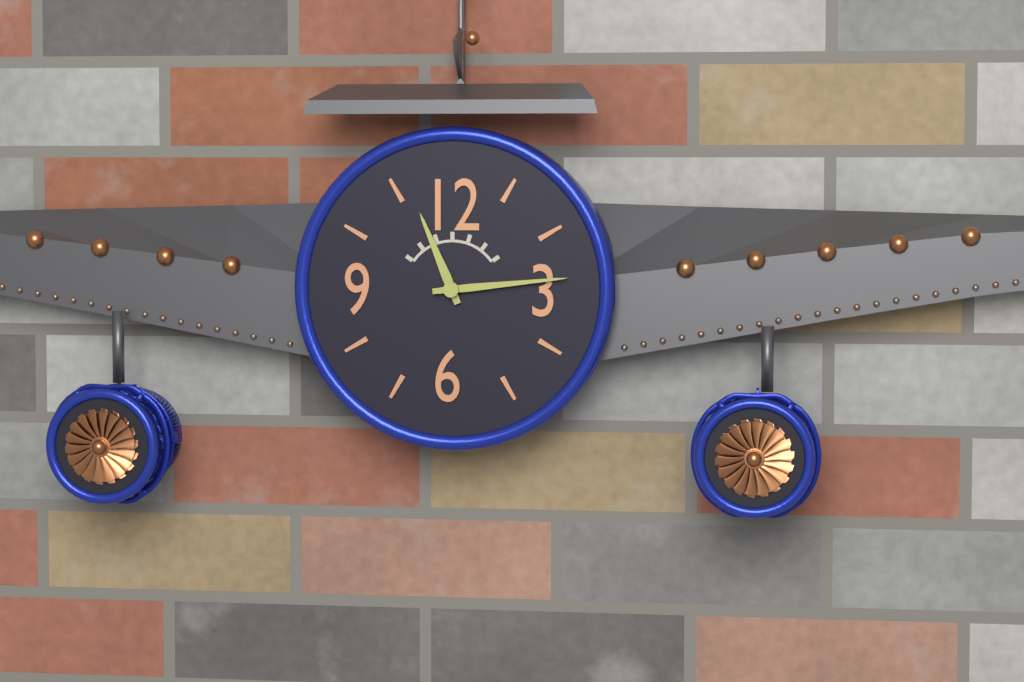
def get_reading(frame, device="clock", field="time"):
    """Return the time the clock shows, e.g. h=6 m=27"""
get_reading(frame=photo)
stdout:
h=11 m=14
